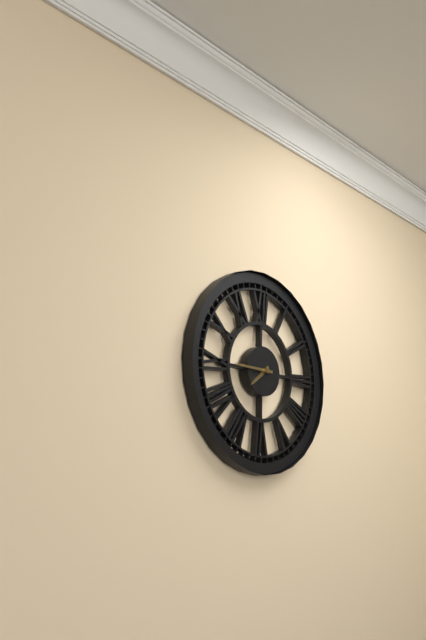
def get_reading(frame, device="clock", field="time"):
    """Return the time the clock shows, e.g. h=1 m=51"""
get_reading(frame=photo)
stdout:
h=7 m=45
